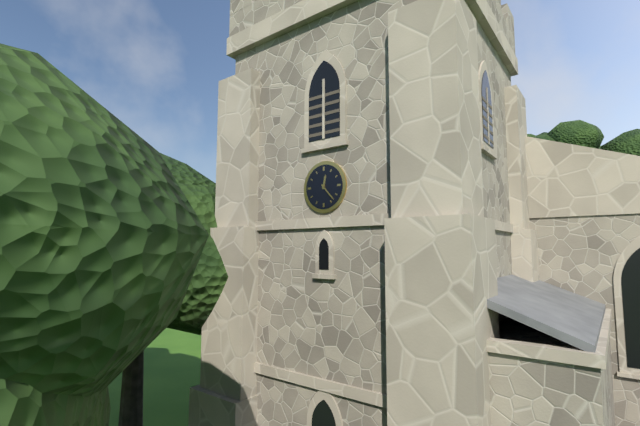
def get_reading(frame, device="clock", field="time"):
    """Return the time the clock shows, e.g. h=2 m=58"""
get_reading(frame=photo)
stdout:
h=12 m=23
